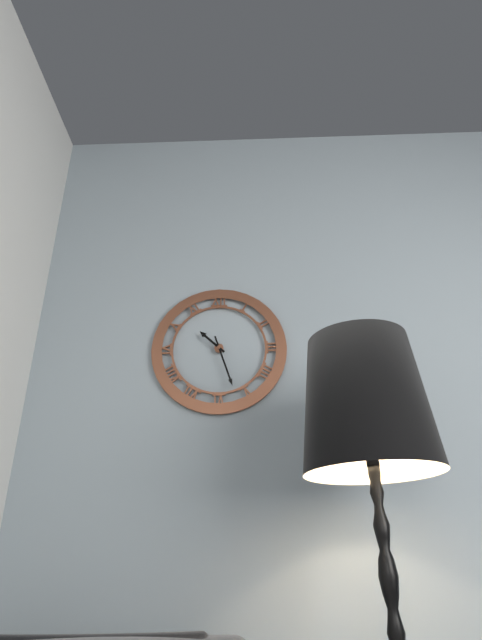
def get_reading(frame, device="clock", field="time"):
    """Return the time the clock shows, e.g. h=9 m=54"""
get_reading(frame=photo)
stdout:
h=10 m=27
